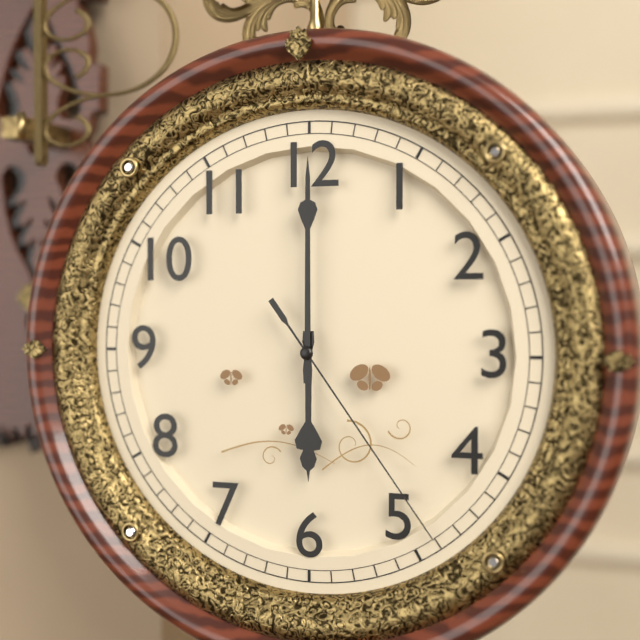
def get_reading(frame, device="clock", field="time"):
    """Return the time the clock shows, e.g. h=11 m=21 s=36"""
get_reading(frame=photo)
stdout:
h=6 m=0 s=24
